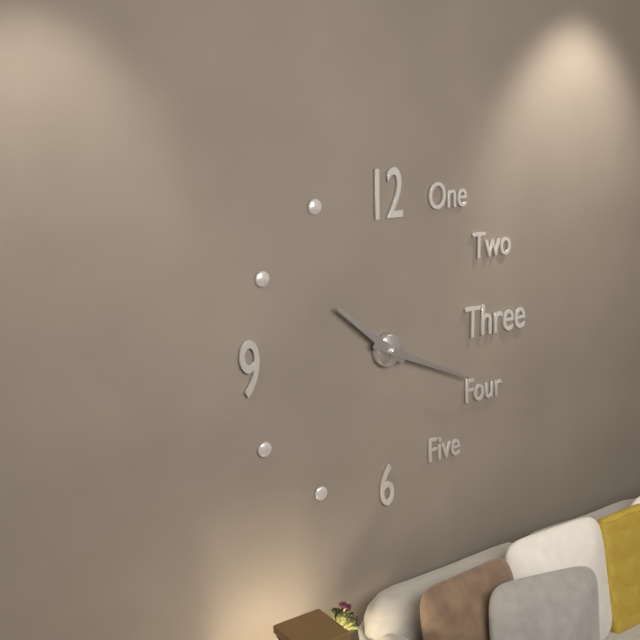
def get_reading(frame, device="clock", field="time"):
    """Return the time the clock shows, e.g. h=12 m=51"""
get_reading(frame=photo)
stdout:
h=10 m=19
